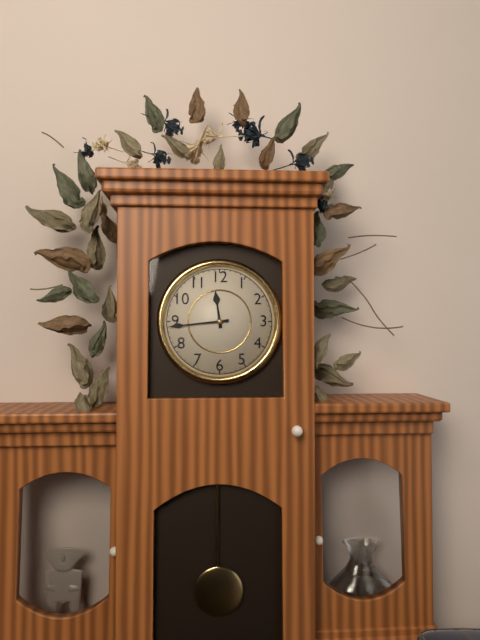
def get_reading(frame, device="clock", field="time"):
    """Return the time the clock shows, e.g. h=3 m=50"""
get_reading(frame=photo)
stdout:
h=11 m=44
